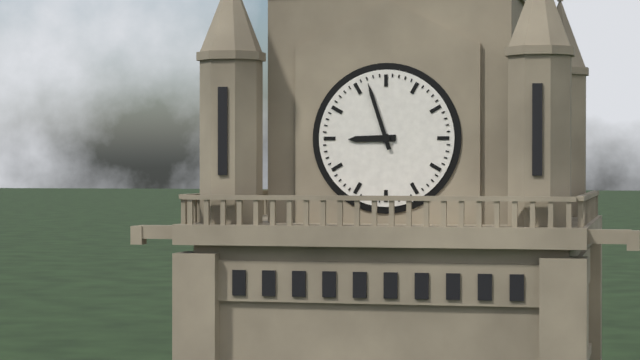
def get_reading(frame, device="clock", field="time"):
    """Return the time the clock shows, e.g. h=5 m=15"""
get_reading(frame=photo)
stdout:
h=8 m=57
